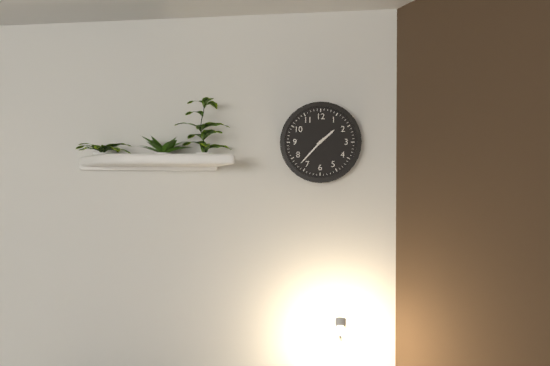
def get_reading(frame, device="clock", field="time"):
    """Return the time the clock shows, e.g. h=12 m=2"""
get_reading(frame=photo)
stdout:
h=1 m=37
